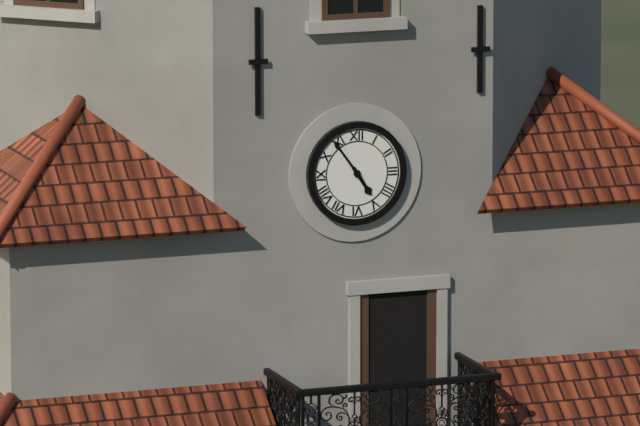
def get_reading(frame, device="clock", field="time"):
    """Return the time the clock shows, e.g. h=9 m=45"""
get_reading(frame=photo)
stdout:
h=4 m=54
